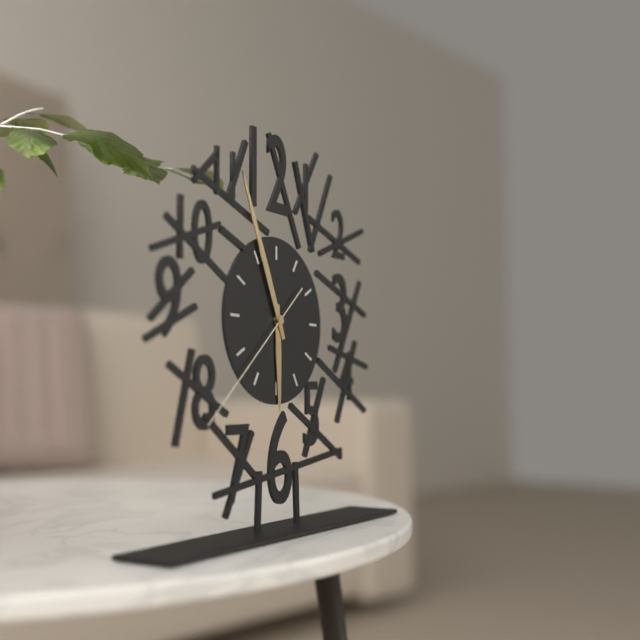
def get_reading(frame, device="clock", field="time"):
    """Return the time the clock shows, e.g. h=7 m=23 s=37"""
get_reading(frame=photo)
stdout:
h=5 m=56 s=38
